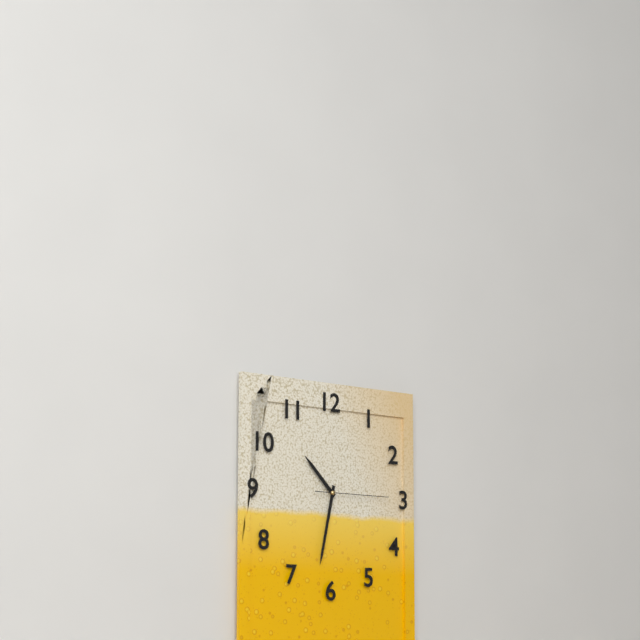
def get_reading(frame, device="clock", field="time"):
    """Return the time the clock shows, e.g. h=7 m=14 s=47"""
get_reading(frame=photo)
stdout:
h=10 m=32 s=15
